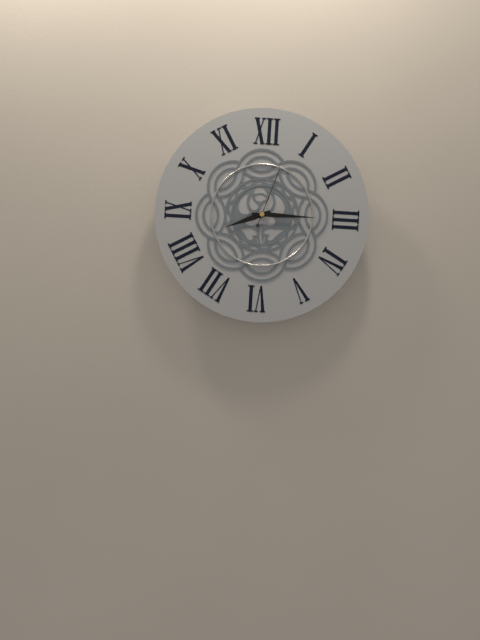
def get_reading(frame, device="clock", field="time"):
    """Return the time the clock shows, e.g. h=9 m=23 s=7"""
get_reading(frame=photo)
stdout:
h=8 m=15 s=3
